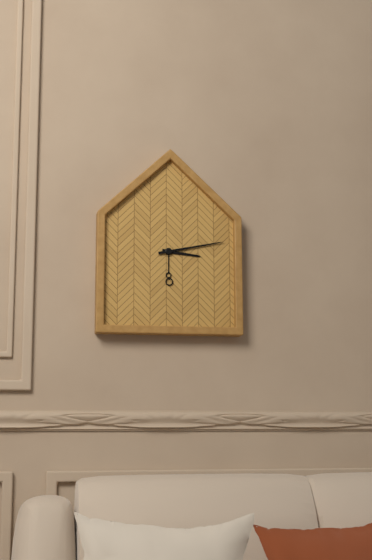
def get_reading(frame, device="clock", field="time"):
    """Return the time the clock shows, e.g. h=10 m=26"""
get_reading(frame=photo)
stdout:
h=3 m=13
